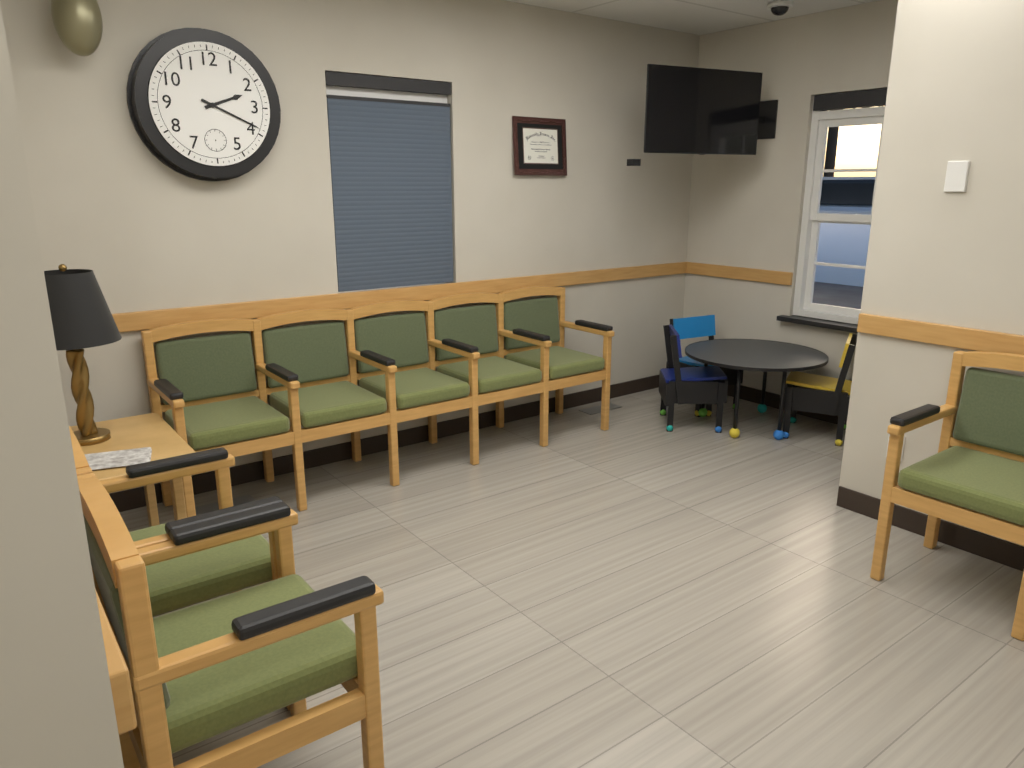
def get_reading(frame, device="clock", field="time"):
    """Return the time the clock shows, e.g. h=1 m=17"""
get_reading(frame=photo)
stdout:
h=2 m=19
